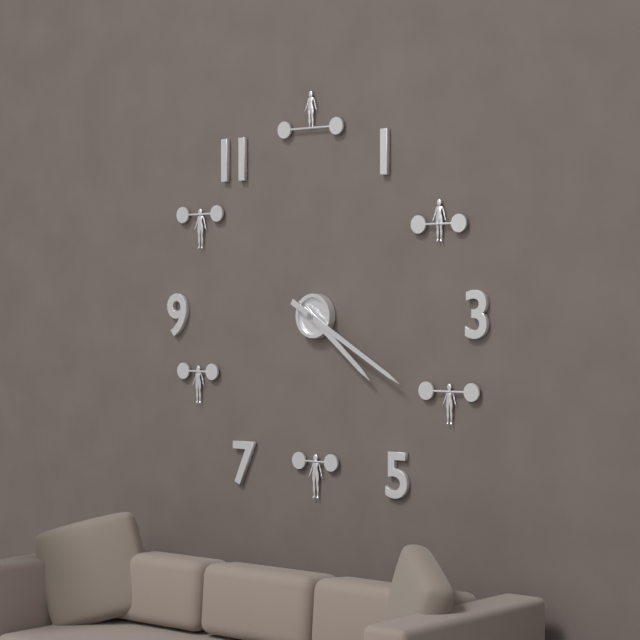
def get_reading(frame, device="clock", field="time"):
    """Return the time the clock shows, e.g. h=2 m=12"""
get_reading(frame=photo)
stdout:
h=4 m=20
